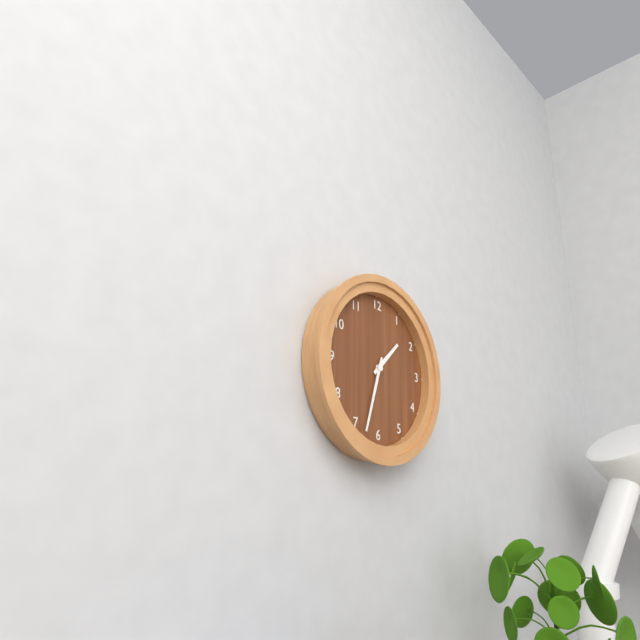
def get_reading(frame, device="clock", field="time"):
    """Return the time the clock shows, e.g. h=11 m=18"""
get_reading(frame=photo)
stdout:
h=1 m=33
